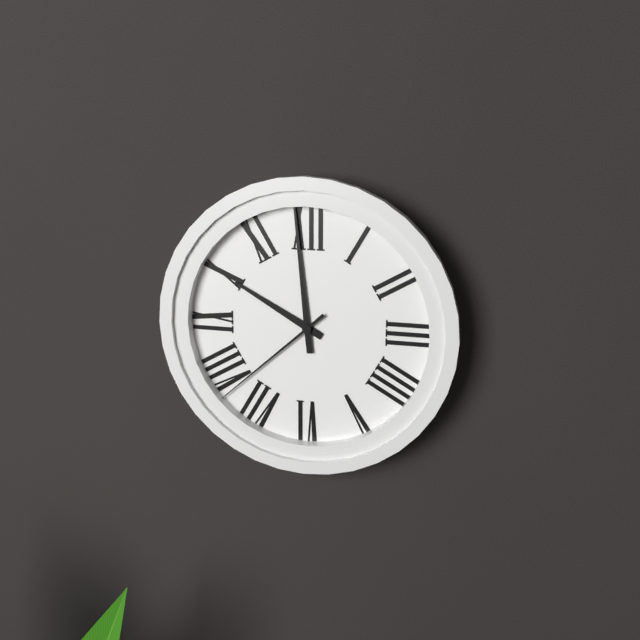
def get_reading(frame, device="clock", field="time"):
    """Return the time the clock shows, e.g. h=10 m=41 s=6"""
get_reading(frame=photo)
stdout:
h=9 m=59 s=38
